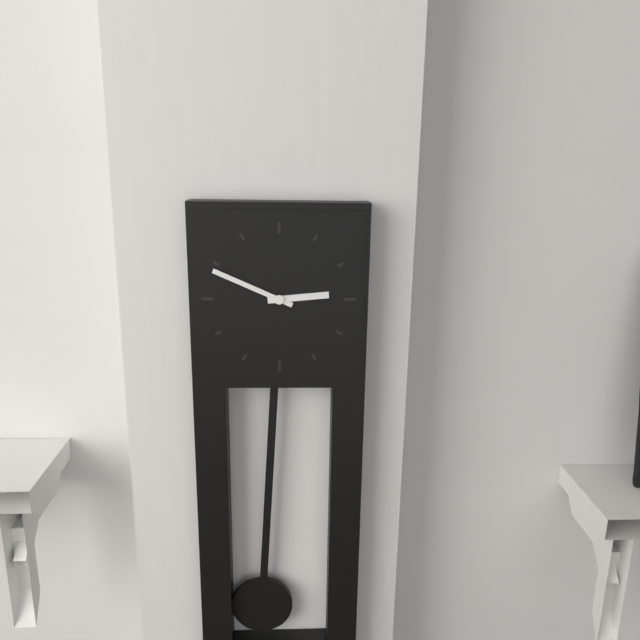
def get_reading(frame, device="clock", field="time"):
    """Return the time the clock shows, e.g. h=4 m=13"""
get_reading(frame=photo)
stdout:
h=2 m=49
